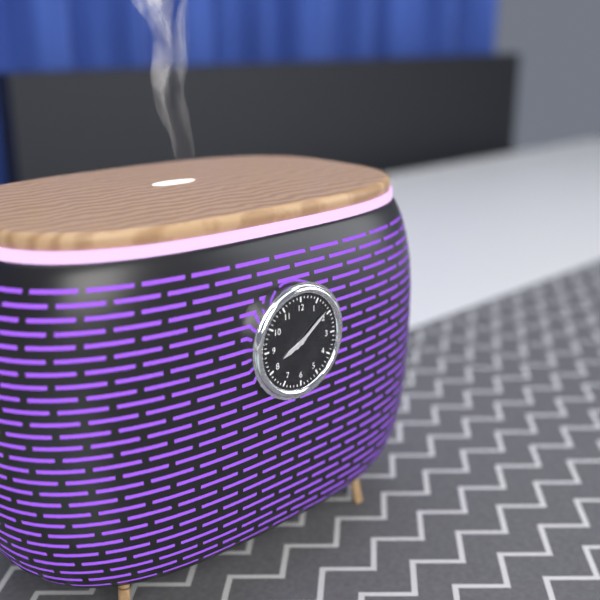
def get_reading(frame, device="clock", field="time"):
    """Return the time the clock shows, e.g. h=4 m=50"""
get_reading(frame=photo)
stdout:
h=8 m=9
